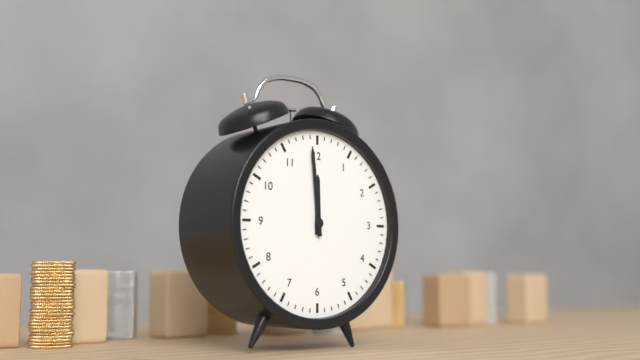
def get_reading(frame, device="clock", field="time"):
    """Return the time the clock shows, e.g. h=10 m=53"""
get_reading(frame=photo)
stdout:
h=11 m=59
